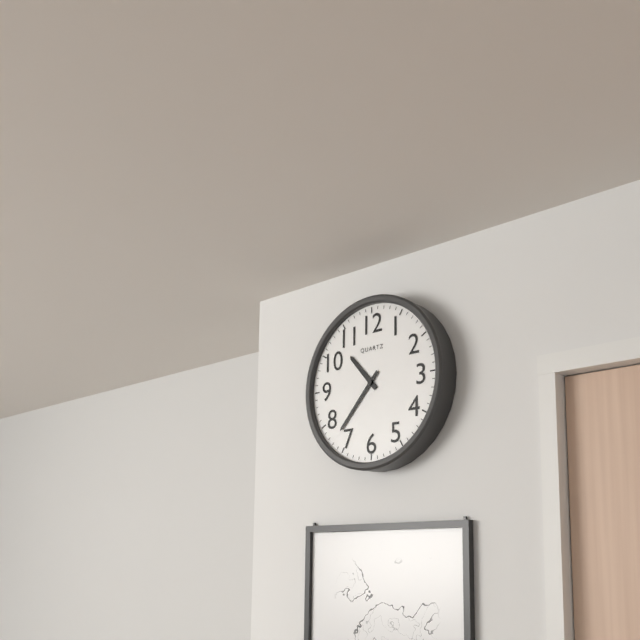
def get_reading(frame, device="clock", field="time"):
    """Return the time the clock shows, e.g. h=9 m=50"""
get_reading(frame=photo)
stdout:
h=10 m=37
